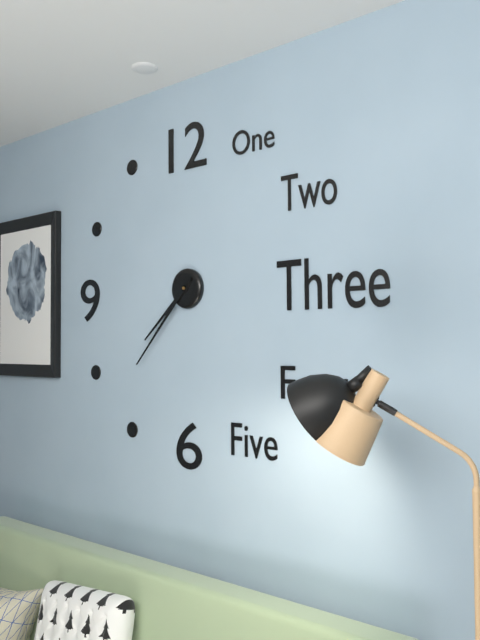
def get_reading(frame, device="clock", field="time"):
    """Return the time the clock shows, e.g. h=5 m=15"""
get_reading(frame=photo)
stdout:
h=7 m=37
